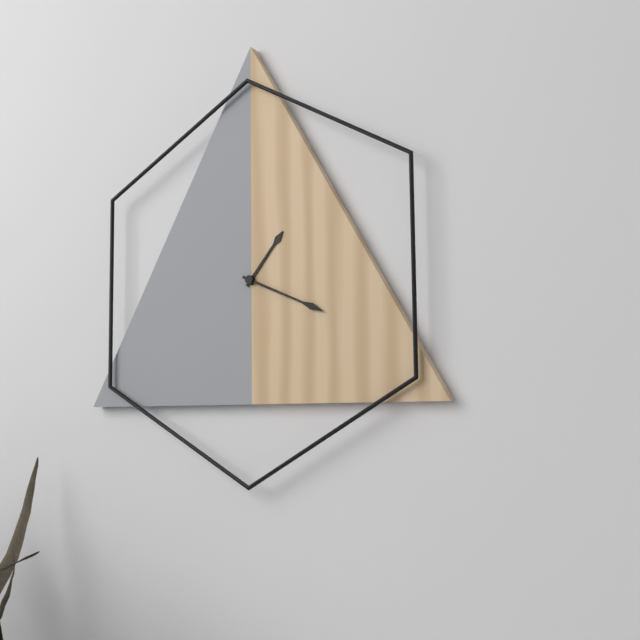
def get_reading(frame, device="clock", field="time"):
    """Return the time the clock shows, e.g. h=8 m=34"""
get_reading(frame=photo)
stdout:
h=1 m=19
